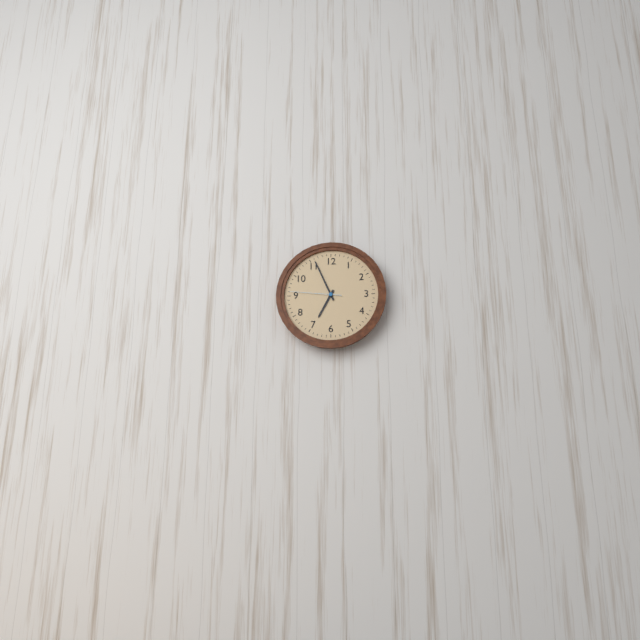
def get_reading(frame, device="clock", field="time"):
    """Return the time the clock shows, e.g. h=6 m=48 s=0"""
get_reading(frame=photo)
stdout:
h=6 m=56 s=46
